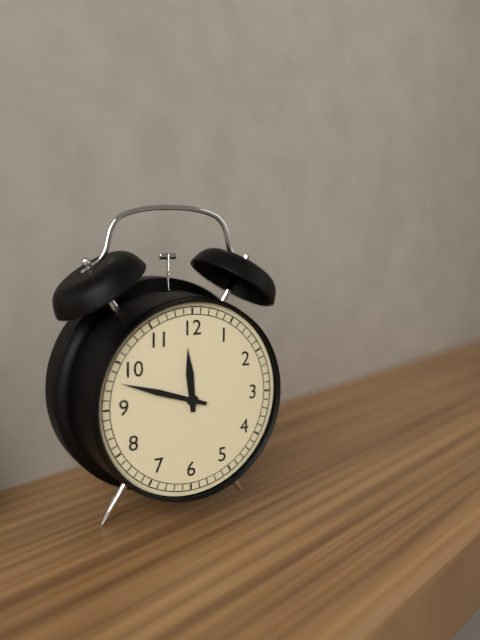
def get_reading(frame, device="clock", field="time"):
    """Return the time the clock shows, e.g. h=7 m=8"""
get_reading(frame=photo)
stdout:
h=11 m=48
